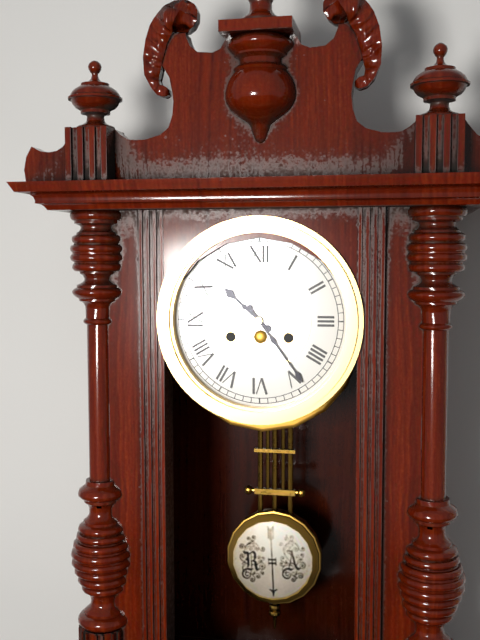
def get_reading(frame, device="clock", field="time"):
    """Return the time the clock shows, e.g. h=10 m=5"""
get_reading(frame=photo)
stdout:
h=10 m=24
